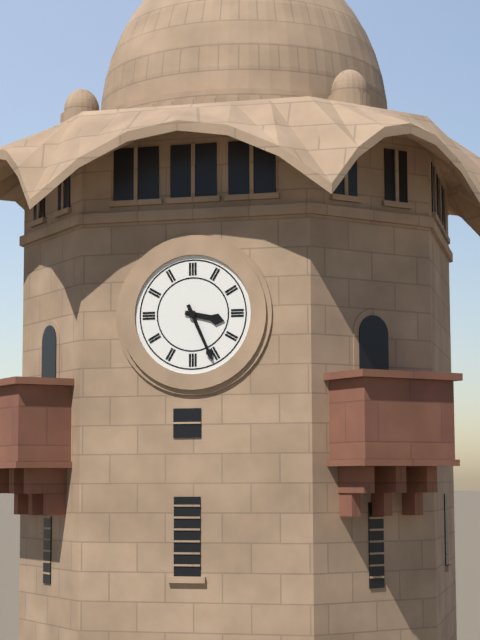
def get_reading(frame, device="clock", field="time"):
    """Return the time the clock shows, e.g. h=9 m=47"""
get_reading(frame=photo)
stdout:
h=3 m=26
